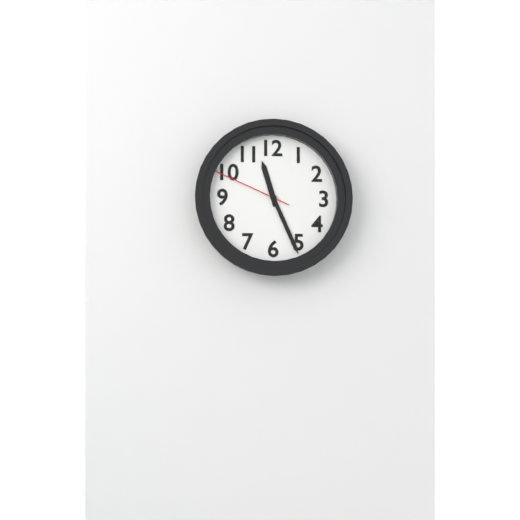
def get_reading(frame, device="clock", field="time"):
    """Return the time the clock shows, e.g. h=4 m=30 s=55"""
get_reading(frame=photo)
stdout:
h=11 m=26 s=49
